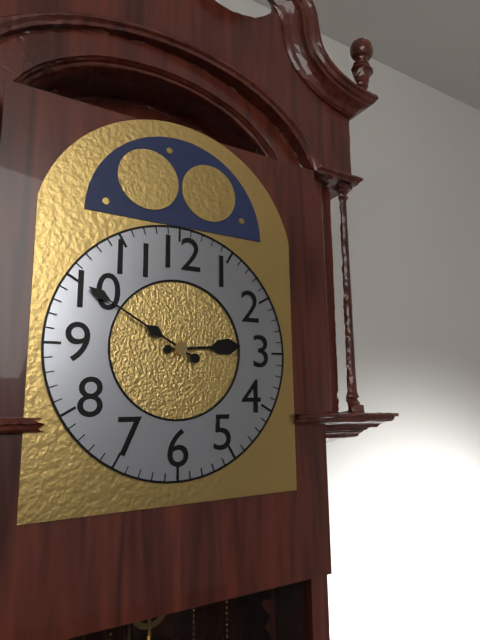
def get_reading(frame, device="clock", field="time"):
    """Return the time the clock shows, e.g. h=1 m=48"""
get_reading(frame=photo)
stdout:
h=2 m=50
